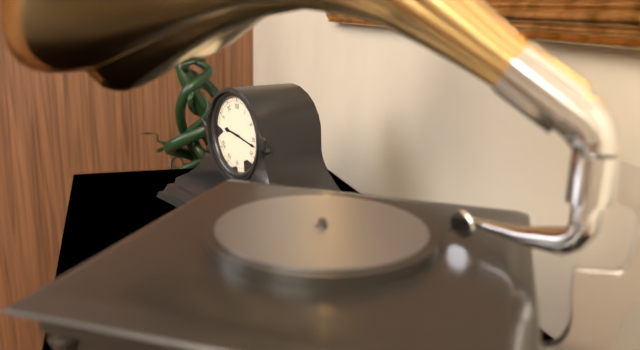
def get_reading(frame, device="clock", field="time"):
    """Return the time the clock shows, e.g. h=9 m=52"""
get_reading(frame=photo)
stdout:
h=9 m=17
